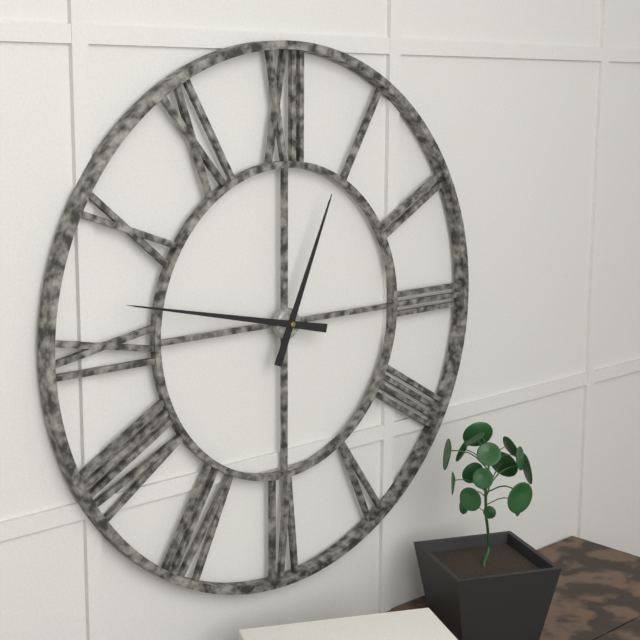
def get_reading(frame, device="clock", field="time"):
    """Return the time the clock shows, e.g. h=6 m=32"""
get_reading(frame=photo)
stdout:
h=12 m=47
